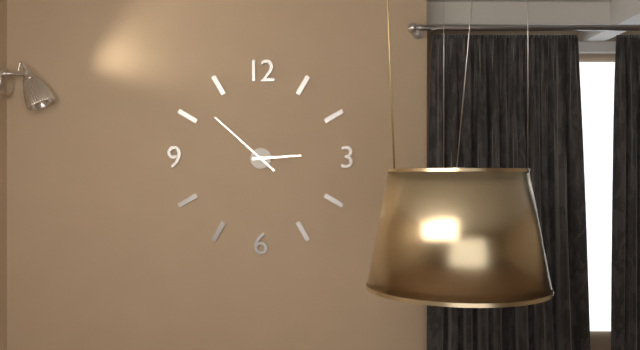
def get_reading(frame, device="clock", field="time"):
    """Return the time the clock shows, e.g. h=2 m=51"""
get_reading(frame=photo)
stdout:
h=2 m=52
